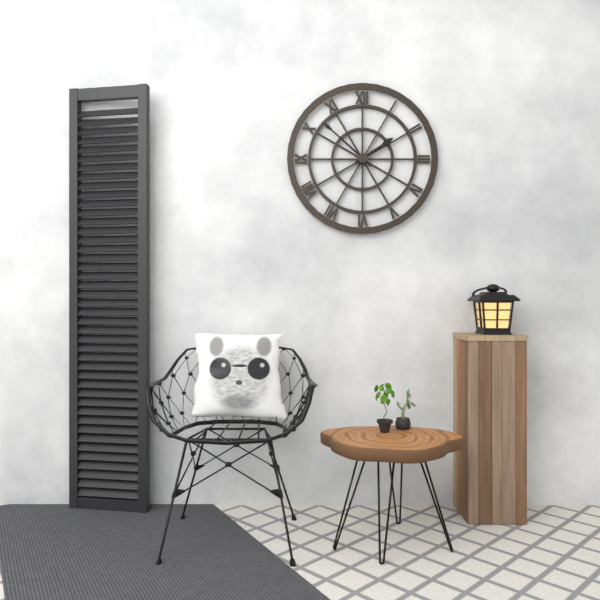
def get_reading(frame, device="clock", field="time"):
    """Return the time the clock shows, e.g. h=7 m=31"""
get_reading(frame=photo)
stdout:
h=1 m=52
